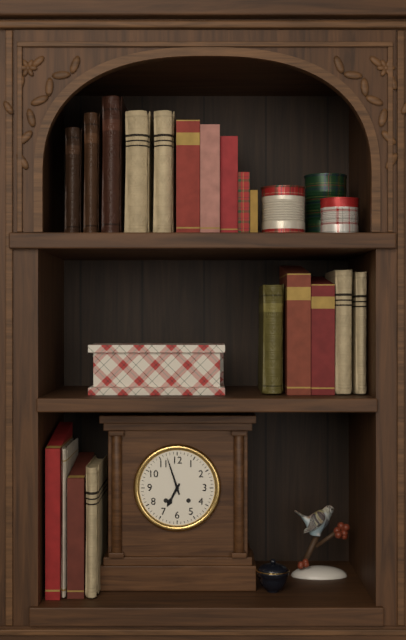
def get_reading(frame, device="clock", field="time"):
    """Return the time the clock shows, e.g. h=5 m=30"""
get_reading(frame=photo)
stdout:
h=6 m=57
